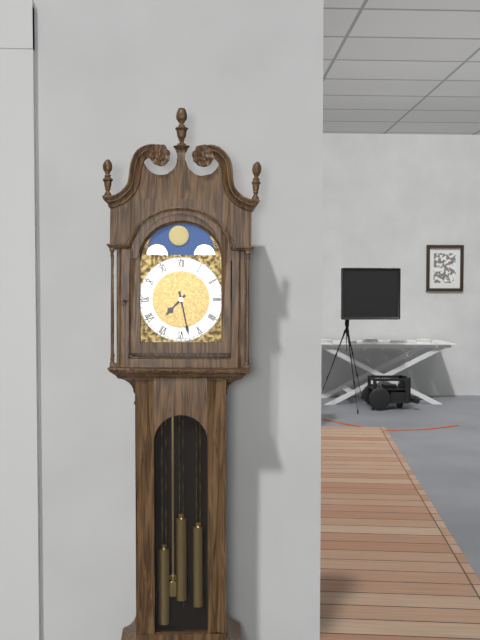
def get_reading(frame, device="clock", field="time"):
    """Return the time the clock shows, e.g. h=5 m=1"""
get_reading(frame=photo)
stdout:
h=7 m=28
